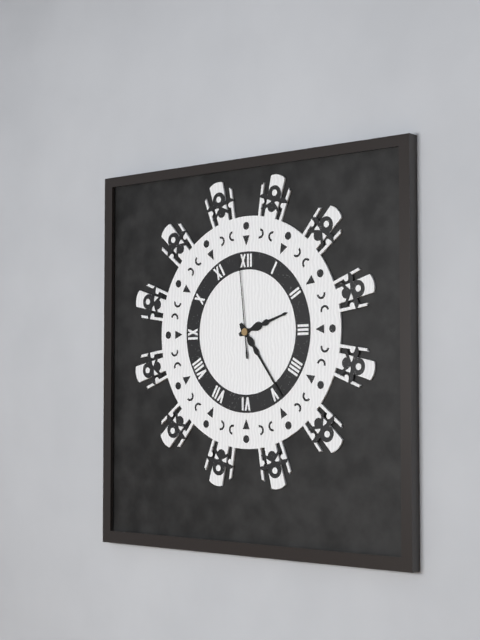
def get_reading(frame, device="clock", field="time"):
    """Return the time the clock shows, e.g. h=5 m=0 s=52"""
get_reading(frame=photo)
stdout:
h=2 m=24 s=59
